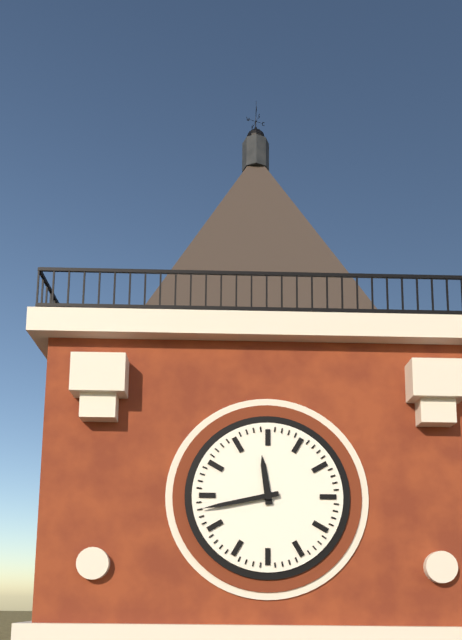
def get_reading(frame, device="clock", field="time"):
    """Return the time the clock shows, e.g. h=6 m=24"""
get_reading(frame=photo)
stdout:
h=11 m=43
